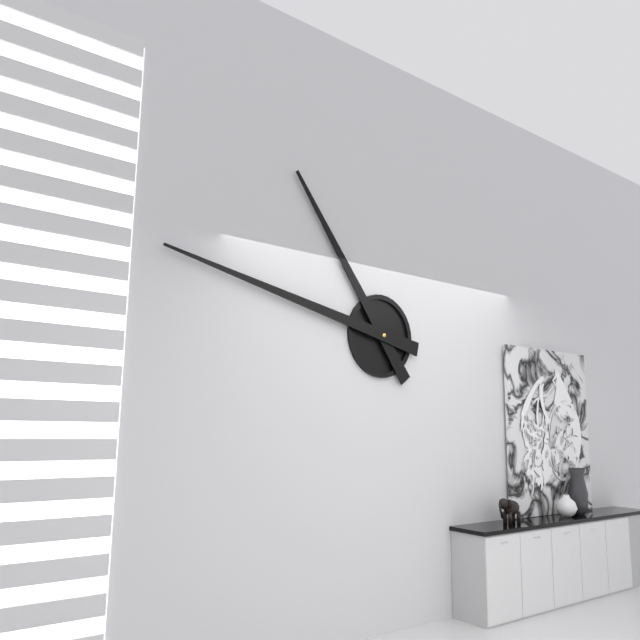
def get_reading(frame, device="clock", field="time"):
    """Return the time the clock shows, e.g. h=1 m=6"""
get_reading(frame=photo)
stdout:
h=10 m=47
